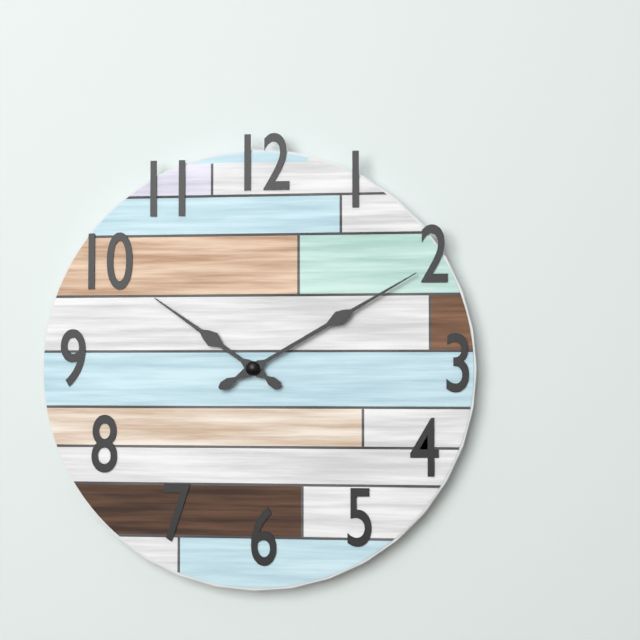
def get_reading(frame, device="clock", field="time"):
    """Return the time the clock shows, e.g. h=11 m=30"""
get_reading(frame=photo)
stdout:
h=10 m=10
